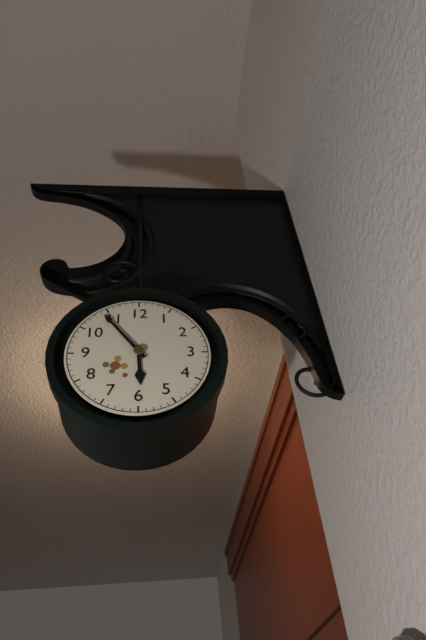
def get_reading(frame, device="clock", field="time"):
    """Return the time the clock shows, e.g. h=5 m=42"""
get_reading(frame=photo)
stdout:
h=5 m=54
